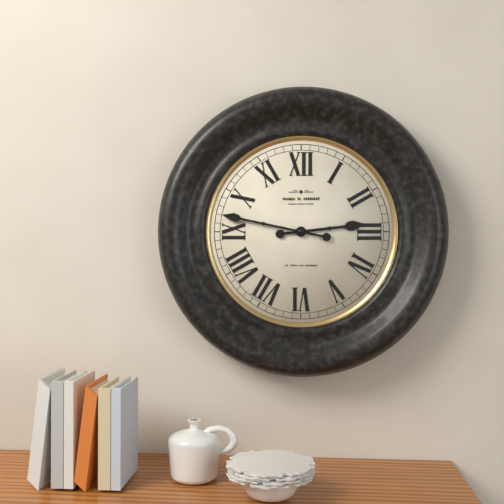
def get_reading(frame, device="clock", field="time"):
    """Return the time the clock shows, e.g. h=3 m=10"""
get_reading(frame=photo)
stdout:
h=2 m=47
